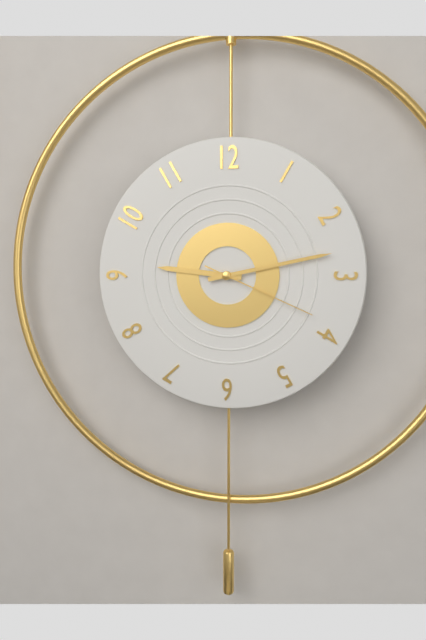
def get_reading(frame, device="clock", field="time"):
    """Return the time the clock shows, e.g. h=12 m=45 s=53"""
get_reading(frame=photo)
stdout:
h=9 m=13 s=19
